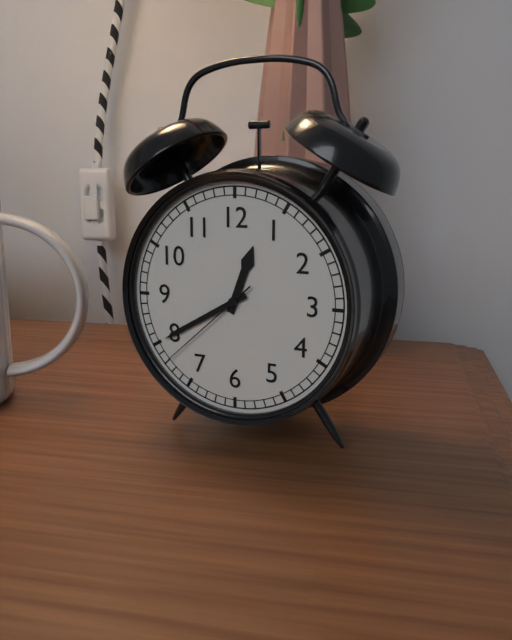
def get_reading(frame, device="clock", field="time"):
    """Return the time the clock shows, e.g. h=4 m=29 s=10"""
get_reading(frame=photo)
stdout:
h=12 m=40 s=38
